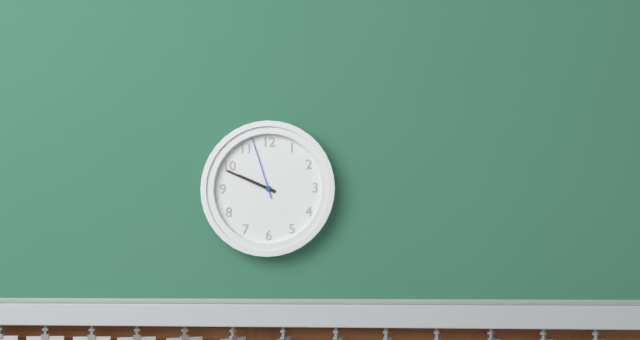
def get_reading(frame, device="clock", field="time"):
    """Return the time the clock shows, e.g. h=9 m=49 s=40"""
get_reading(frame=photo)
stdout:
h=9 m=49 s=57
